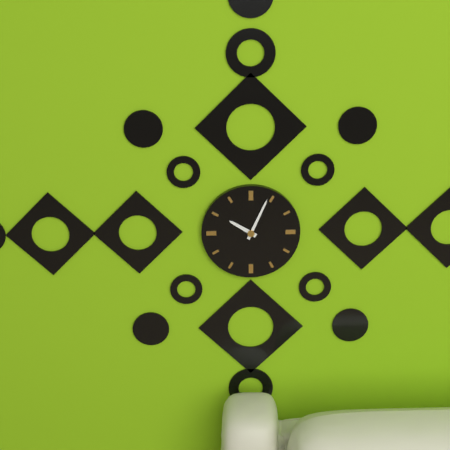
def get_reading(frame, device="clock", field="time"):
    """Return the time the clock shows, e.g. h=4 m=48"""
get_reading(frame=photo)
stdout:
h=10 m=4
